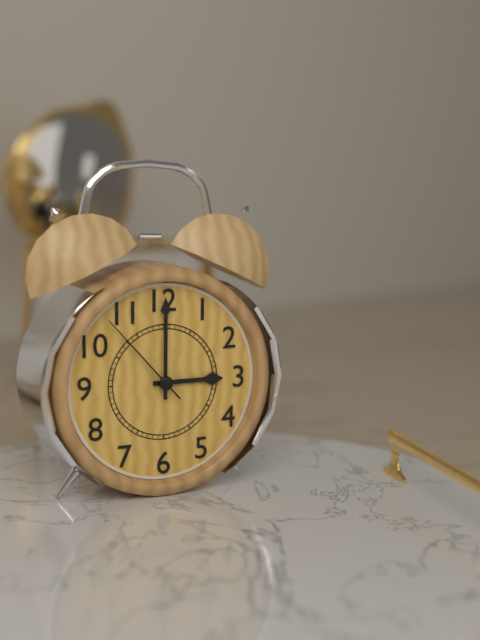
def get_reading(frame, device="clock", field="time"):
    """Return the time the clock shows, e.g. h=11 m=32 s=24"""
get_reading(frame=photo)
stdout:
h=3 m=0 s=53
